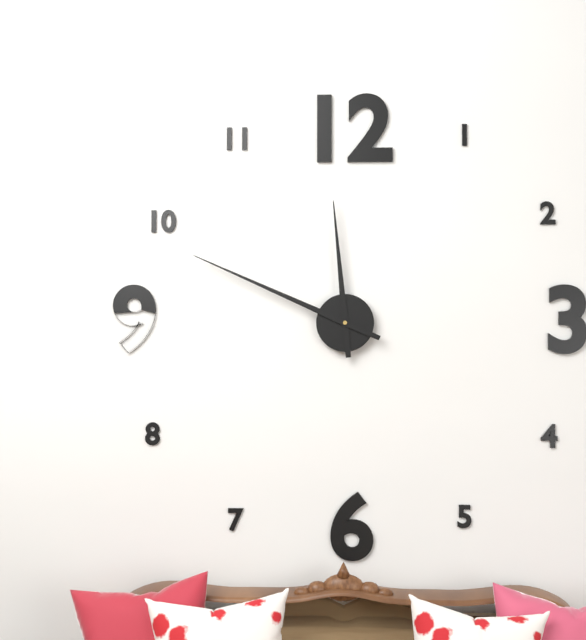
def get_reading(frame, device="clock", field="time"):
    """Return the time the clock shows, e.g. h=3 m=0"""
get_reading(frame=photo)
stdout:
h=11 m=49
